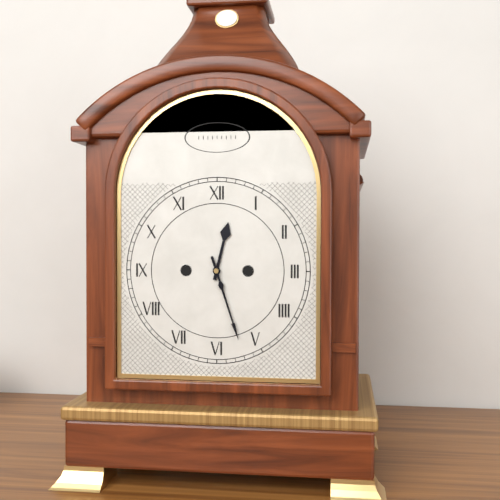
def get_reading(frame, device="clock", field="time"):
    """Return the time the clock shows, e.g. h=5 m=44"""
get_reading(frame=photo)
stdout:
h=12 m=27
